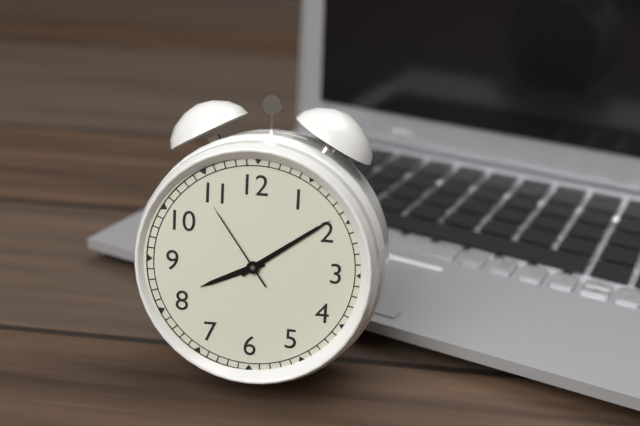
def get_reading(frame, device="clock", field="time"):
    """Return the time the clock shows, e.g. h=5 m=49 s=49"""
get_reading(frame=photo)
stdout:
h=8 m=9 s=54
